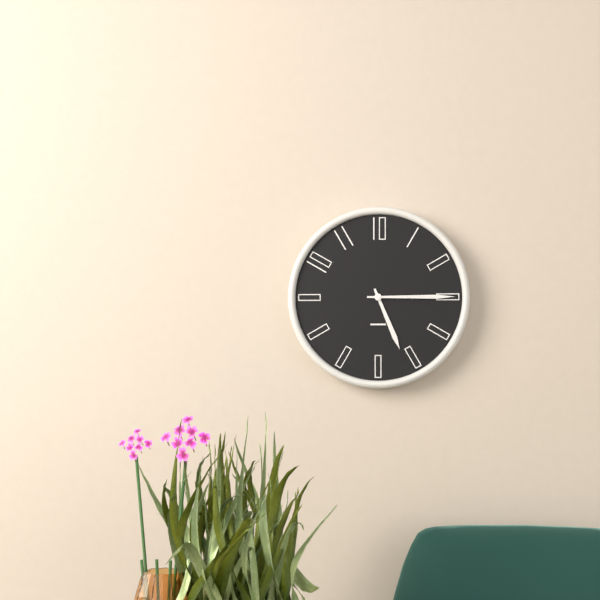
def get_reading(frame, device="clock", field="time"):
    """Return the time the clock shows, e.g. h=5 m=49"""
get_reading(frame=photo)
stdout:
h=5 m=15
